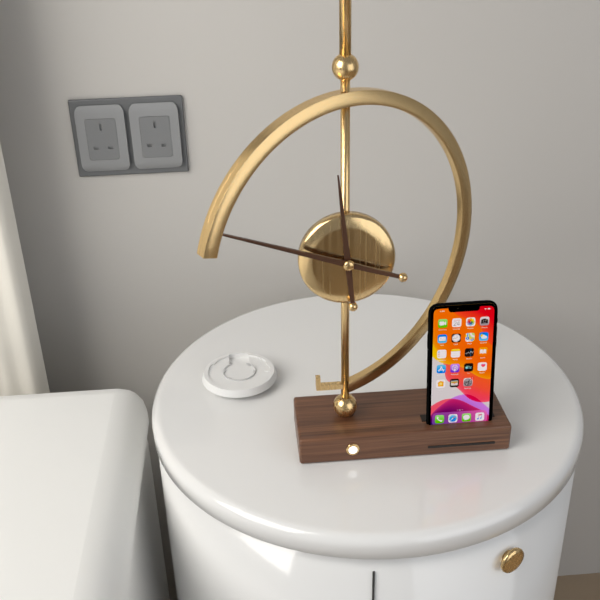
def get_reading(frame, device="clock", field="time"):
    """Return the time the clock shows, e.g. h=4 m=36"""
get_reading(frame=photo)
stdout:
h=11 m=48
